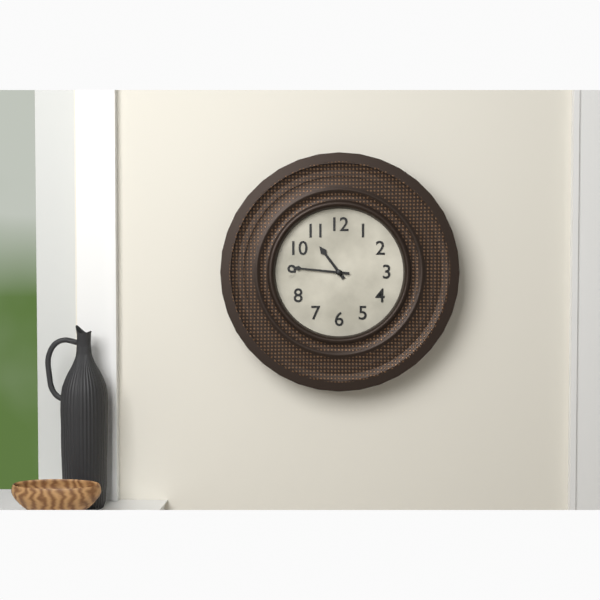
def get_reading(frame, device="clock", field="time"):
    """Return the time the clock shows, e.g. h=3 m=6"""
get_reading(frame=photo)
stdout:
h=10 m=46
